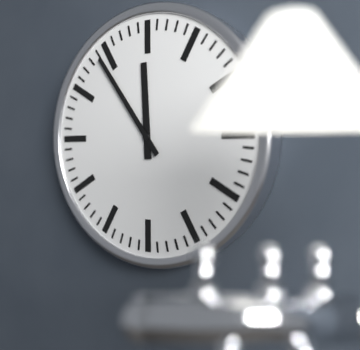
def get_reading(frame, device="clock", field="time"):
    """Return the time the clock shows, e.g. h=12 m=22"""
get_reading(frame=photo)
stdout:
h=11 m=54
